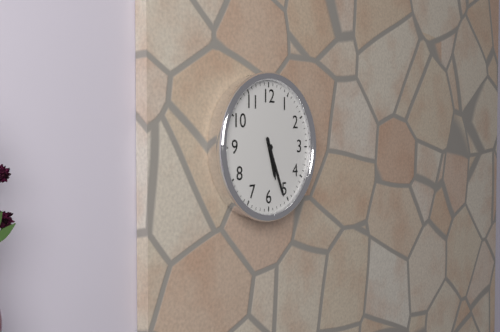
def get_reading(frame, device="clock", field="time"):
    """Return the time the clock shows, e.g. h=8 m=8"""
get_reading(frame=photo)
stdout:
h=5 m=26
